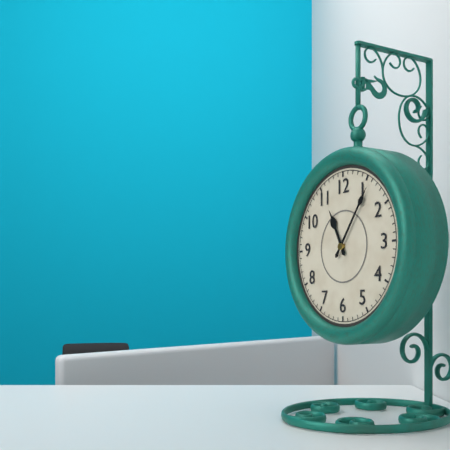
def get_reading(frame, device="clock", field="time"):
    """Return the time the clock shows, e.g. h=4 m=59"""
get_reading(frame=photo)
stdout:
h=11 m=6
